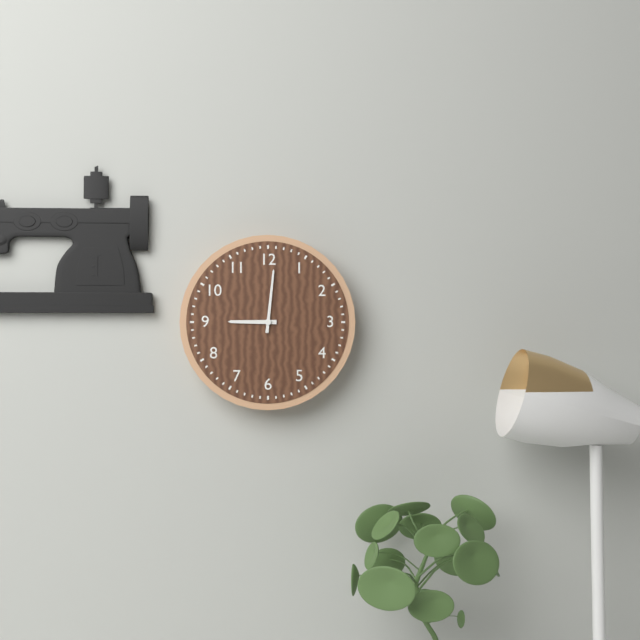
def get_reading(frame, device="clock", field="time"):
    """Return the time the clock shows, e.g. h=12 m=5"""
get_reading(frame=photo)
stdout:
h=9 m=1
